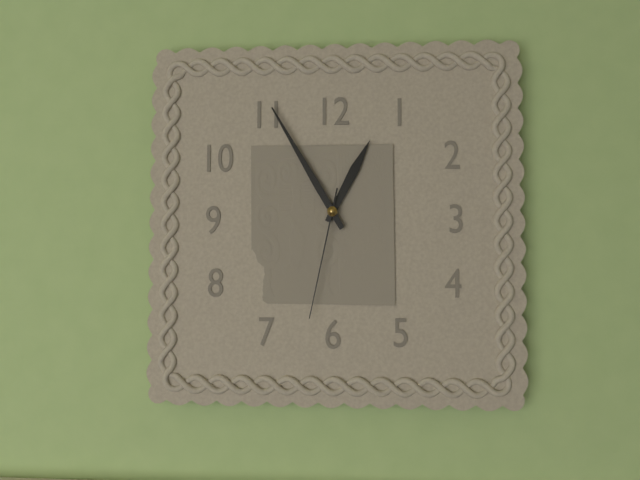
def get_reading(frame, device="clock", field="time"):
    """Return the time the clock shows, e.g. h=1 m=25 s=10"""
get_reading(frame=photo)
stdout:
h=12 m=55 s=32
